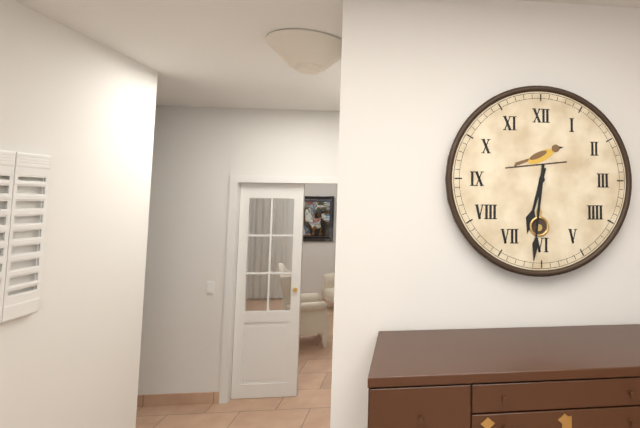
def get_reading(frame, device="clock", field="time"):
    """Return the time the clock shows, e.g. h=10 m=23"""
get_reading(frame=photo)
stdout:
h=6 m=31
